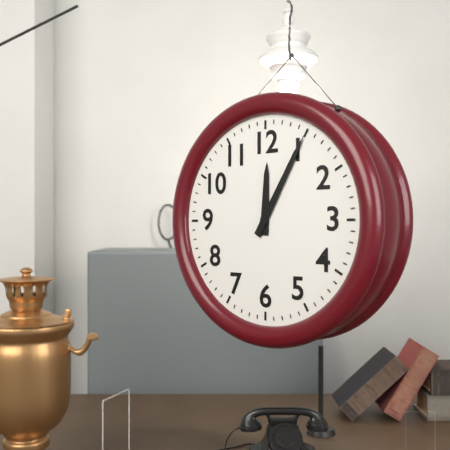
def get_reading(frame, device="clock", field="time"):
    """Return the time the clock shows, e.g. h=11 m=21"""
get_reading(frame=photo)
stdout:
h=12 m=5
